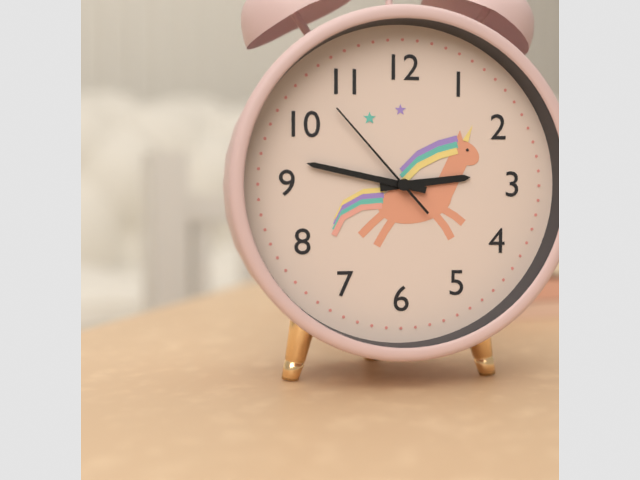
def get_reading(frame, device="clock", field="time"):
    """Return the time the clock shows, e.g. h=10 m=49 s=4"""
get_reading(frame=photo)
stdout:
h=2 m=47 s=53
